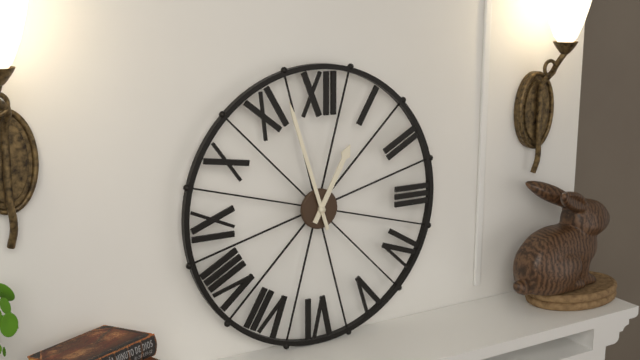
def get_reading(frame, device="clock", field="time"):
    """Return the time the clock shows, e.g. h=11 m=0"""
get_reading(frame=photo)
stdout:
h=12 m=57
